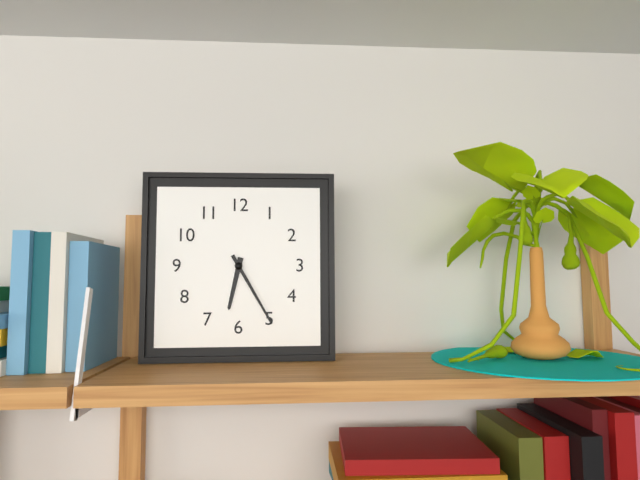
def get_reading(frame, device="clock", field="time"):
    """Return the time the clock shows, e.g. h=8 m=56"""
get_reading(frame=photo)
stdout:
h=6 m=25
